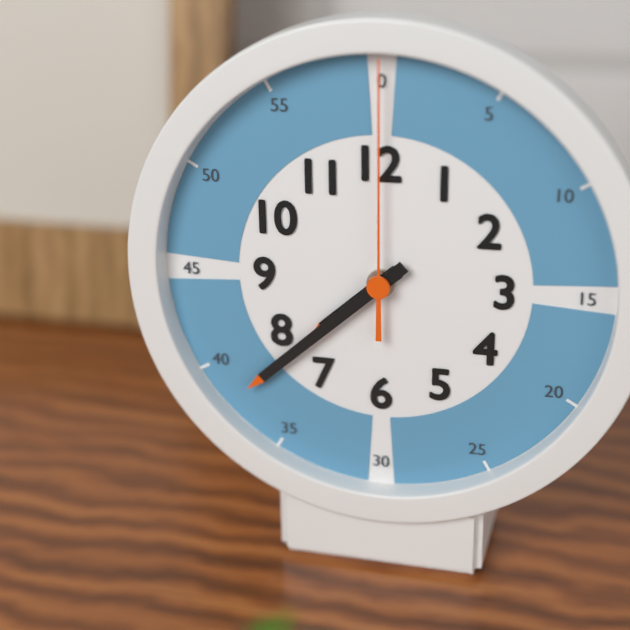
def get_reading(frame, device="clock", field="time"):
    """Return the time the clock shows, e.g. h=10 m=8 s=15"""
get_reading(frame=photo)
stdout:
h=7 m=38 s=0
